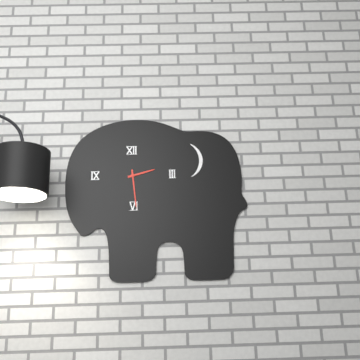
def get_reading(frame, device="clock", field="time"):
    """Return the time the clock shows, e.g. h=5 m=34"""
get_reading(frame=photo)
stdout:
h=2 m=29
